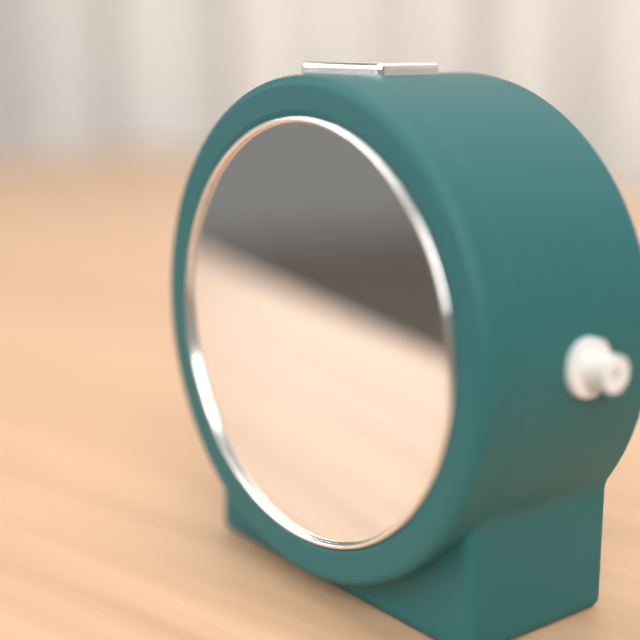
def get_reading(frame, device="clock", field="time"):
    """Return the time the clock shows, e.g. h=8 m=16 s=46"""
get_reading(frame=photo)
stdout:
h=5 m=19 s=18
